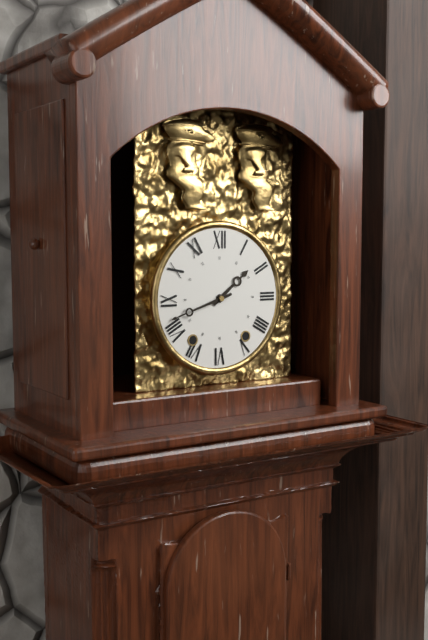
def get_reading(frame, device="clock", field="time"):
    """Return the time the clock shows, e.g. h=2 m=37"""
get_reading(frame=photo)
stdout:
h=1 m=42
